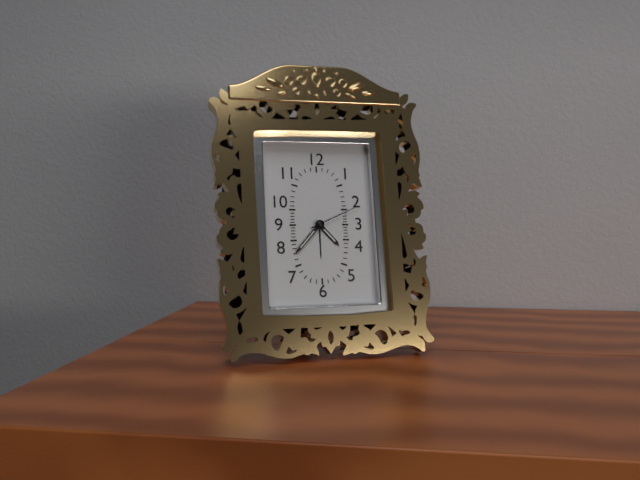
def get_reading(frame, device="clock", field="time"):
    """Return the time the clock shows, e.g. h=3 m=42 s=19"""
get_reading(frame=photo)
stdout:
h=4 m=37 s=11
